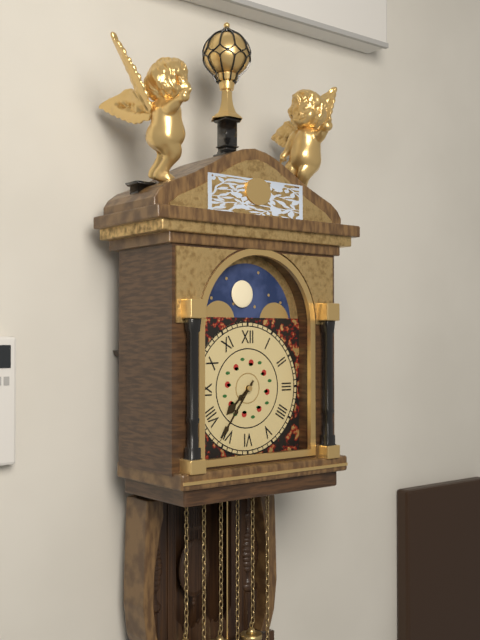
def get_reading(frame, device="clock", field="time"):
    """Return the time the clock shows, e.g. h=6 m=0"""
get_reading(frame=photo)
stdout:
h=7 m=36
